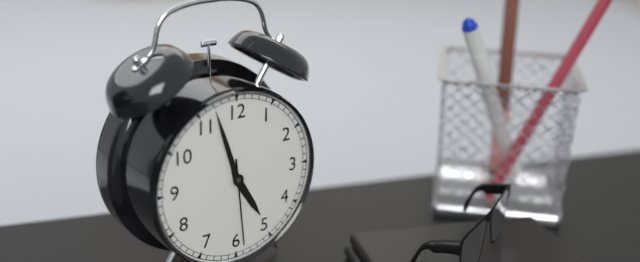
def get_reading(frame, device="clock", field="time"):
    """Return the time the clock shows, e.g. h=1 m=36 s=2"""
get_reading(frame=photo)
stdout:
h=4 m=57 s=29
